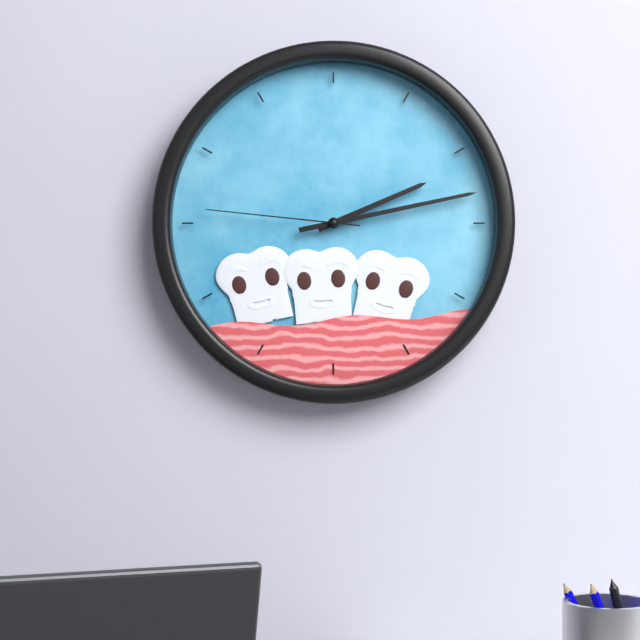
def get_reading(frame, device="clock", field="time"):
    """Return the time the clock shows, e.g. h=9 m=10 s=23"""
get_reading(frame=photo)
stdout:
h=2 m=13 s=46
